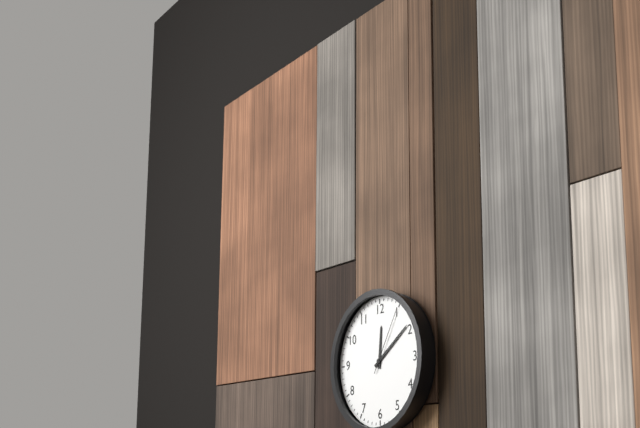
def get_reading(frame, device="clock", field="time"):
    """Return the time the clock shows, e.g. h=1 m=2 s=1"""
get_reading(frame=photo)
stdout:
h=12 m=9 s=5
